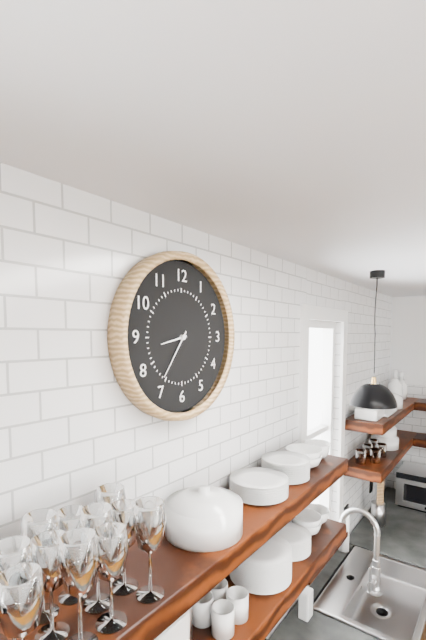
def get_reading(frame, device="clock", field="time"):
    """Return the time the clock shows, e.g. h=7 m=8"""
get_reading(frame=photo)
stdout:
h=8 m=36
